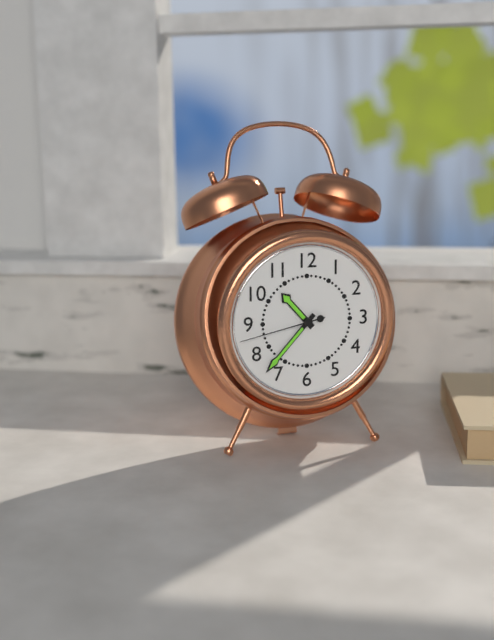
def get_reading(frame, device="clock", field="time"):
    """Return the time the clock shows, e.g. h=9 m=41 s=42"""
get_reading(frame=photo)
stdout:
h=10 m=37 s=43
